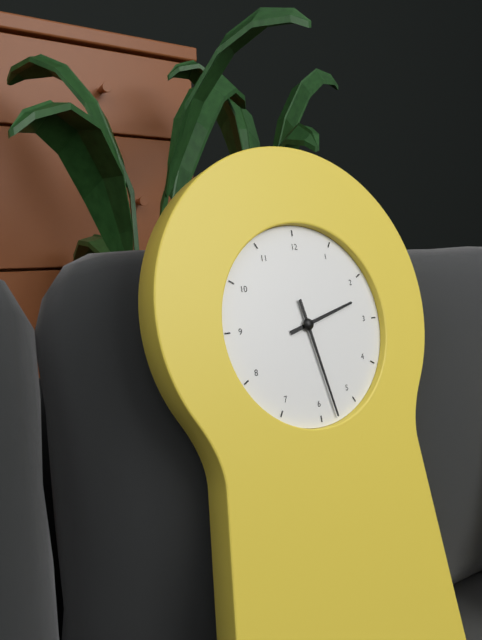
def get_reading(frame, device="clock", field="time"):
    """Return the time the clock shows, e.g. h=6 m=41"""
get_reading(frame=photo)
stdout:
h=2 m=28
